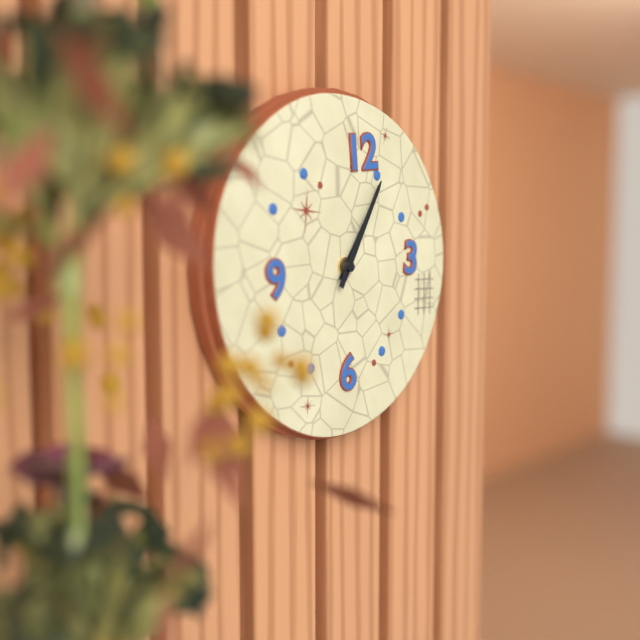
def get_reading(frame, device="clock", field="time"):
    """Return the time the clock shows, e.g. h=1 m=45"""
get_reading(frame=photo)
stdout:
h=1 m=5
